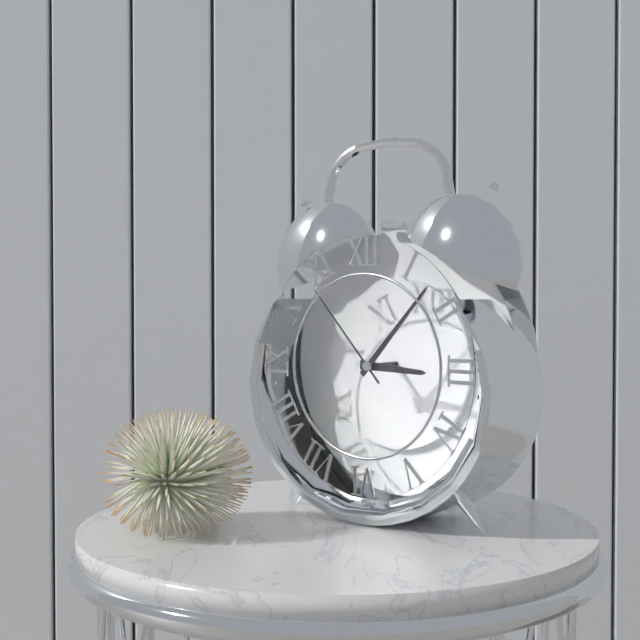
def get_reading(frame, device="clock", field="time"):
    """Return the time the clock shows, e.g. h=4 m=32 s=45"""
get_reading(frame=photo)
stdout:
h=3 m=7 s=53
